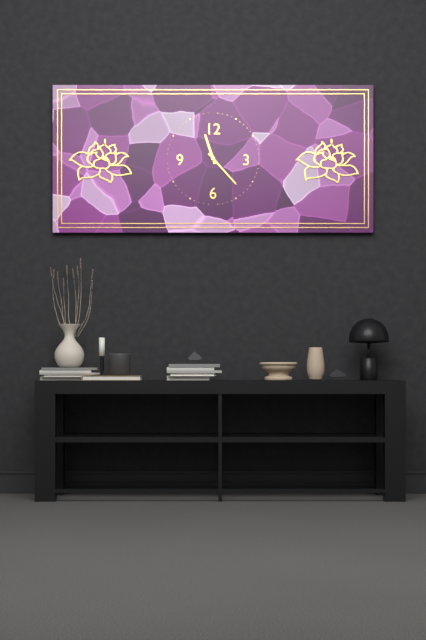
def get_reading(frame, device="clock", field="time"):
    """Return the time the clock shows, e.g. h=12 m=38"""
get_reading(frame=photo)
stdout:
h=11 m=23
